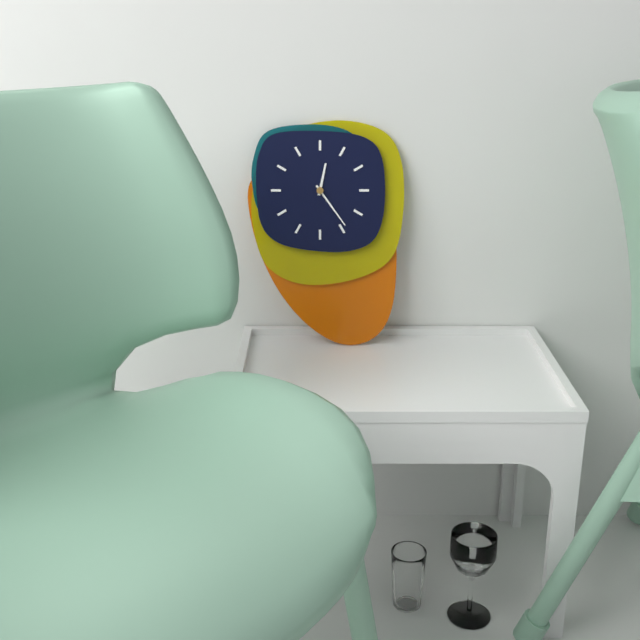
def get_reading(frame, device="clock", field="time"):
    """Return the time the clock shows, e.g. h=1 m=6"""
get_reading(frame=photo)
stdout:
h=12 m=24
